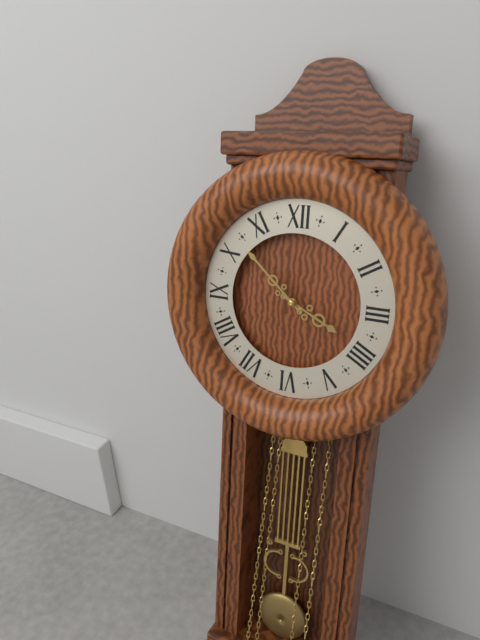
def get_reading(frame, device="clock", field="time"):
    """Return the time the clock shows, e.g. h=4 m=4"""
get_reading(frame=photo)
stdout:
h=3 m=52
